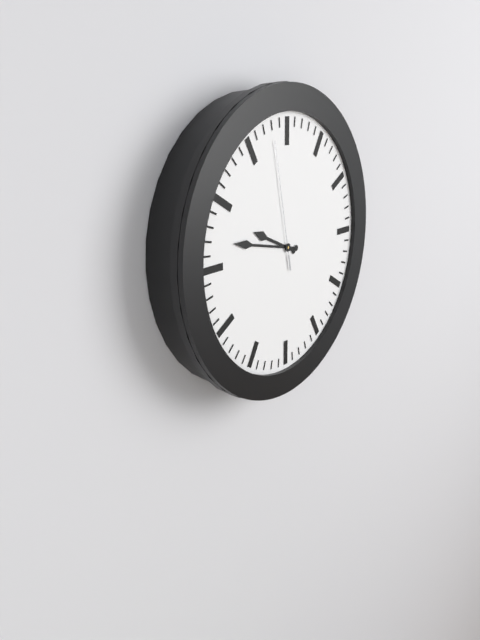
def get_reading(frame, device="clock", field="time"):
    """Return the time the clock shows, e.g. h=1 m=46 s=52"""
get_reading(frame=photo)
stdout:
h=9 m=47 s=58
